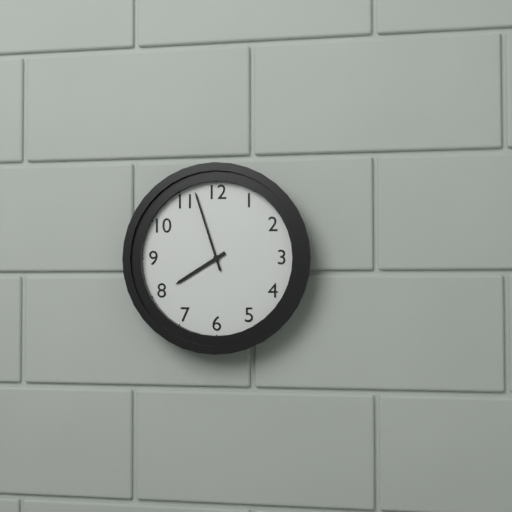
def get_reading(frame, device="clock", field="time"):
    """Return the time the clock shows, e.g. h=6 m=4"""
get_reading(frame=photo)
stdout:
h=7 m=57
